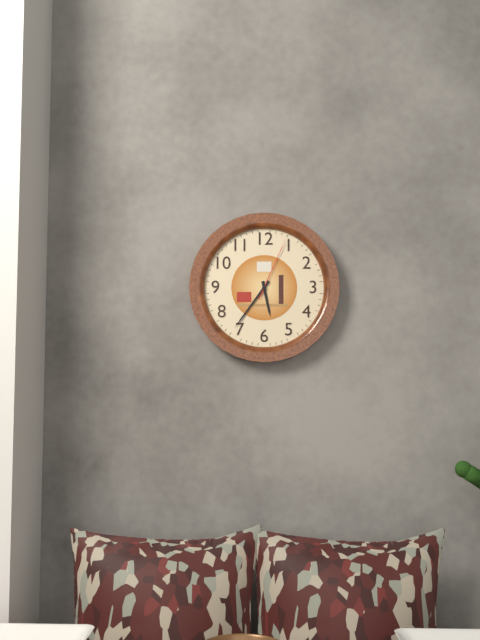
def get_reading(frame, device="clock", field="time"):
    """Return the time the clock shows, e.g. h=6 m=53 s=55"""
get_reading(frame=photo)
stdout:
h=5 m=36 s=4
